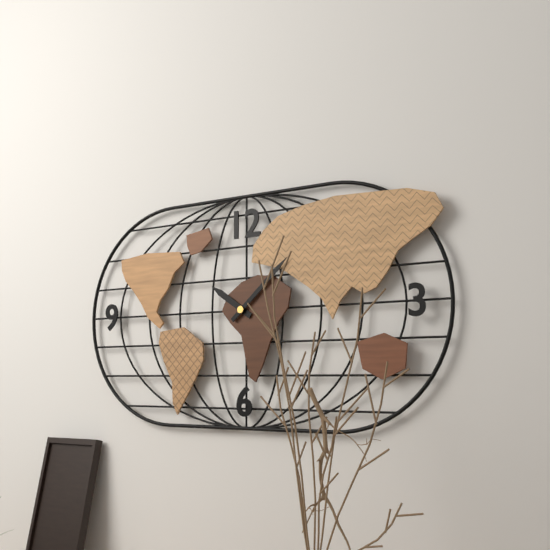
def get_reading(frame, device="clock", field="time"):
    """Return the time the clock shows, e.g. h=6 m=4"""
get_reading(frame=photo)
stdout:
h=10 m=8
